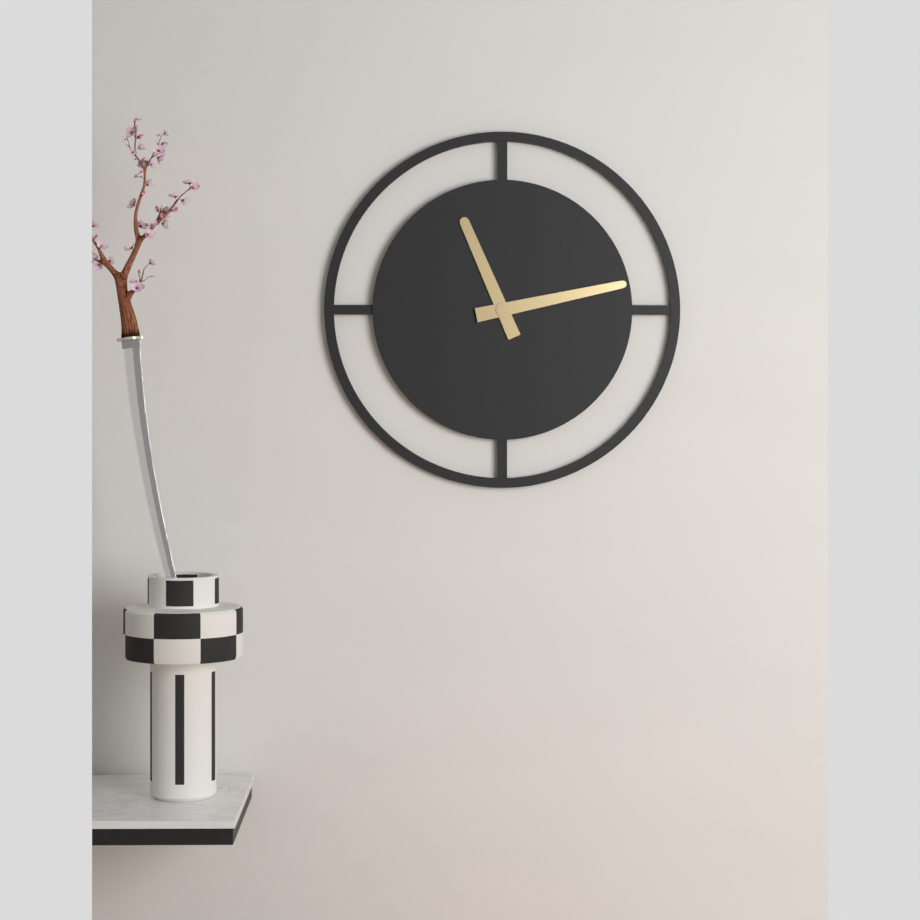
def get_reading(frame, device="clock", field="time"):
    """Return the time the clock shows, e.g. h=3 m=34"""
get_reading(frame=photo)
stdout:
h=11 m=13
